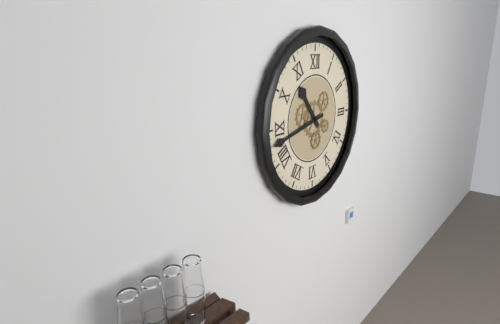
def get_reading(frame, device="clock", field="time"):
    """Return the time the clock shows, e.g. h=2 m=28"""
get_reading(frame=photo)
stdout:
h=10 m=43
